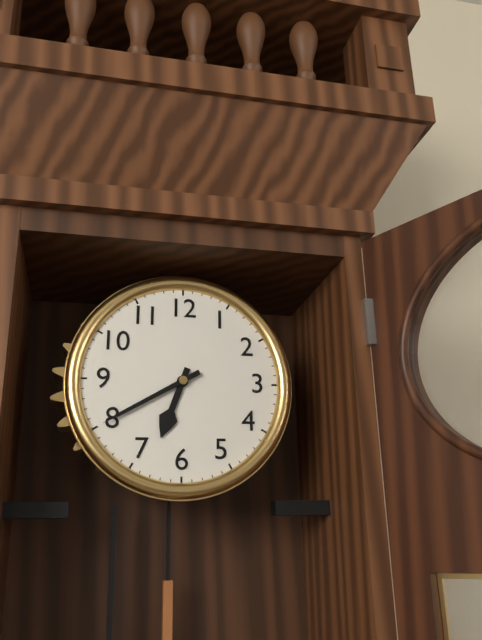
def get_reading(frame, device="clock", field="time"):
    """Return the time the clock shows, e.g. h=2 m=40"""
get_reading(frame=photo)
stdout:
h=6 m=40
